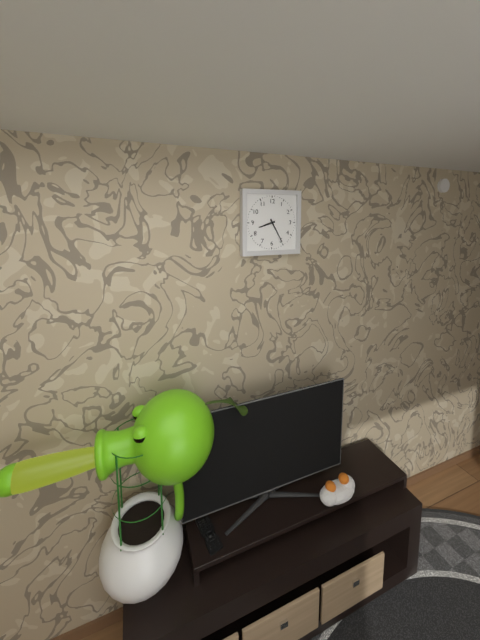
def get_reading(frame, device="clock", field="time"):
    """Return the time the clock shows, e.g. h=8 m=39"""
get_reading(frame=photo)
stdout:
h=8 m=25
